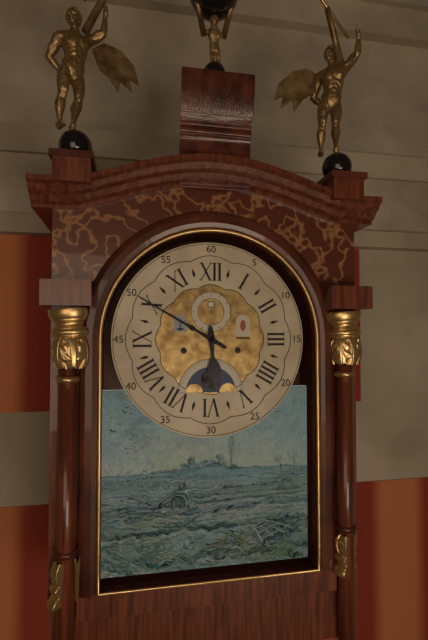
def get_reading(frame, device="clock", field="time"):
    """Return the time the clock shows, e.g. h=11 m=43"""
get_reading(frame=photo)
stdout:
h=5 m=50
